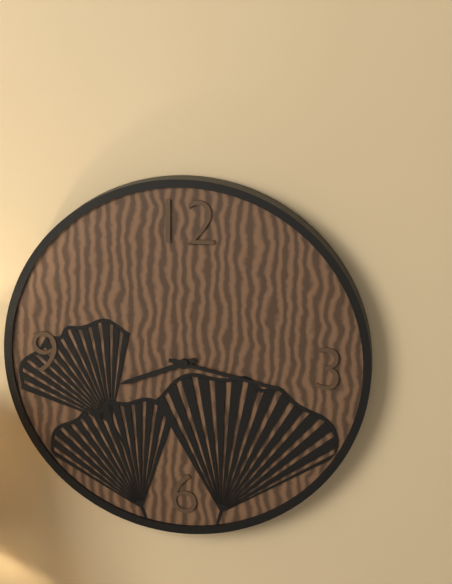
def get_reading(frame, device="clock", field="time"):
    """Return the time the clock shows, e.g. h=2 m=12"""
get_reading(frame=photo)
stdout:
h=8 m=17
